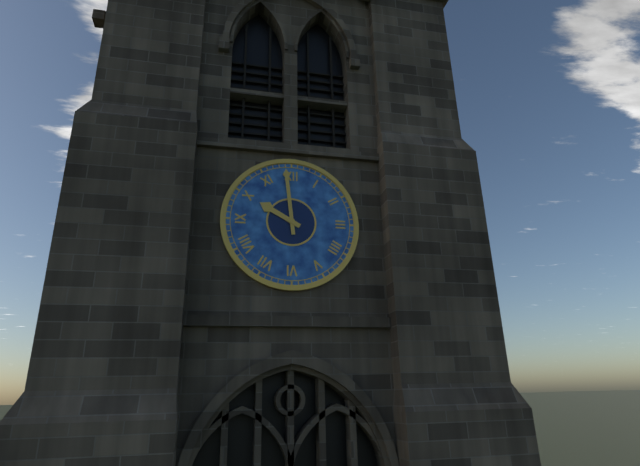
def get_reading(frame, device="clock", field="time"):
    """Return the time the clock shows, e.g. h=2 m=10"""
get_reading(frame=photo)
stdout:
h=9 m=59
